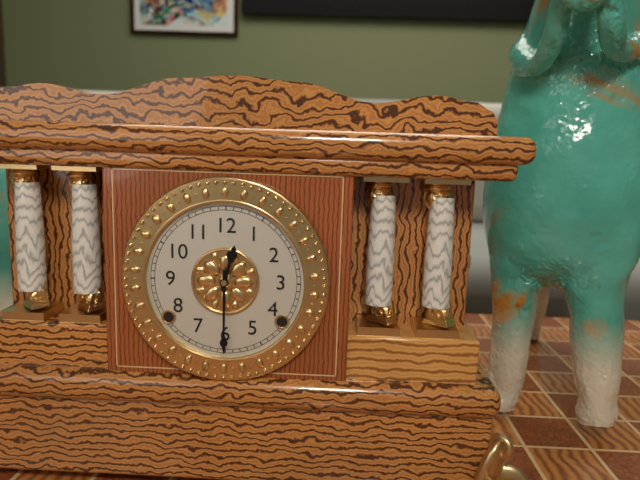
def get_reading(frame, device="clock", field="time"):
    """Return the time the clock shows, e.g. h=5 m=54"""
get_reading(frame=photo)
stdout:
h=12 m=30
